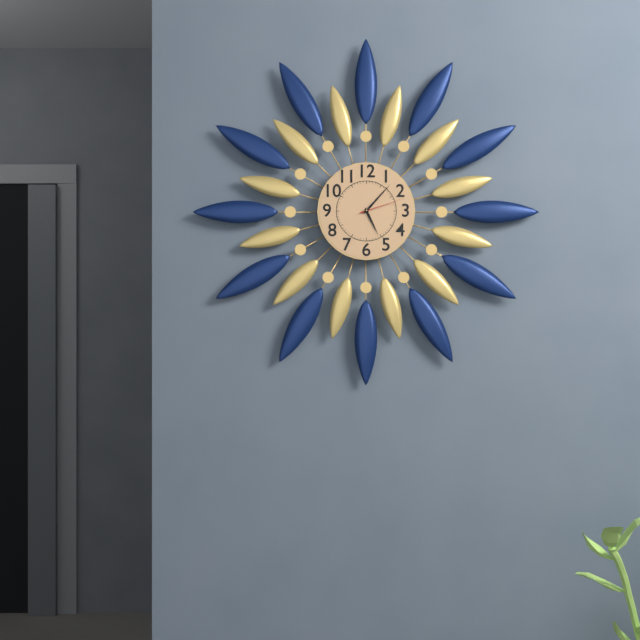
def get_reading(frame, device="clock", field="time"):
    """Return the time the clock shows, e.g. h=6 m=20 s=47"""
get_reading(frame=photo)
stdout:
h=5 m=7 s=12
